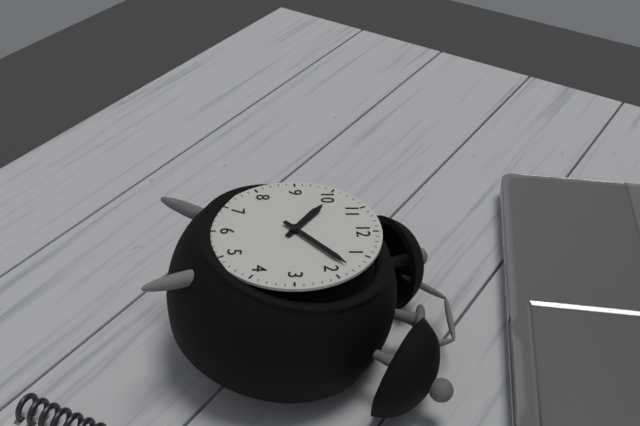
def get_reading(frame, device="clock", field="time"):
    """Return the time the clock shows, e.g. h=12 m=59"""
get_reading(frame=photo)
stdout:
h=10 m=8
